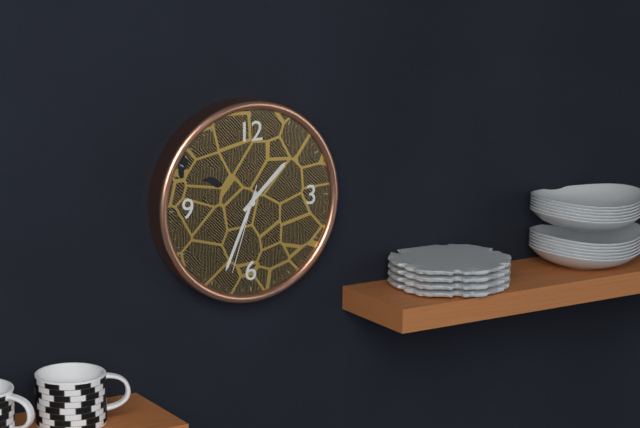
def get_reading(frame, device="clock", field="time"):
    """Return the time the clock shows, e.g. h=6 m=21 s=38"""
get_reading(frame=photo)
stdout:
h=1 m=34 s=33
